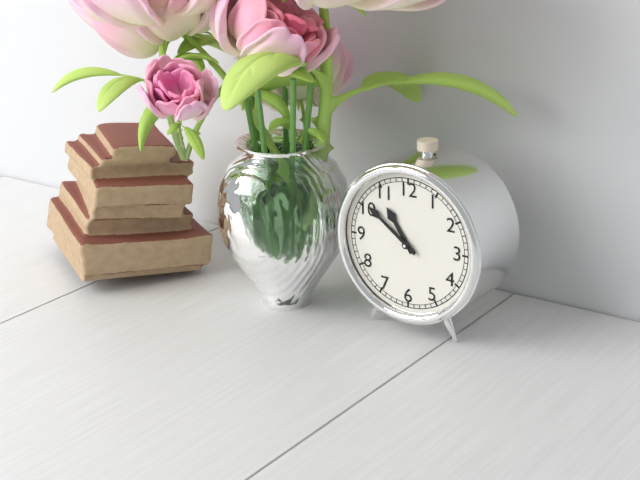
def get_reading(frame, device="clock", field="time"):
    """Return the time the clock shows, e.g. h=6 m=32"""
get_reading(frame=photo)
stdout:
h=10 m=51
